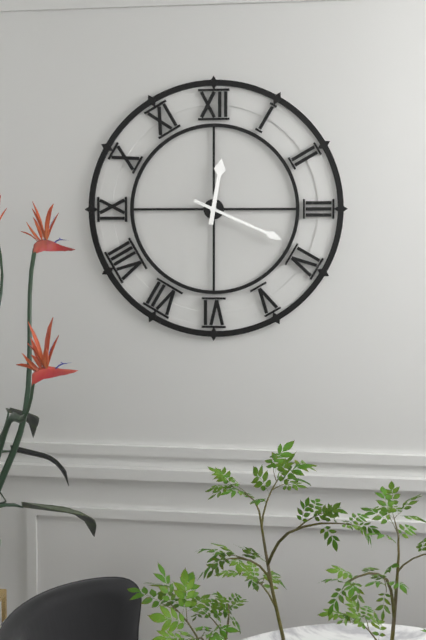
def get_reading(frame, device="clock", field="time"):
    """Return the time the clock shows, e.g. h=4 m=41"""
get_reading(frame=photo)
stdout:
h=12 m=19
